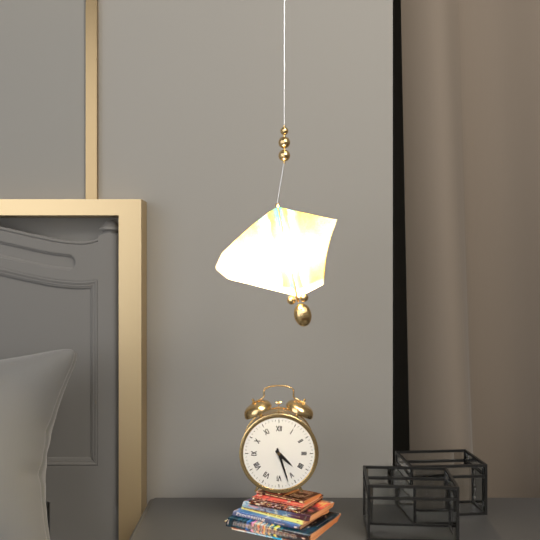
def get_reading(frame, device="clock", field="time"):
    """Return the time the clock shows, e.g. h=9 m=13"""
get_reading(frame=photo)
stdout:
h=4 m=27
